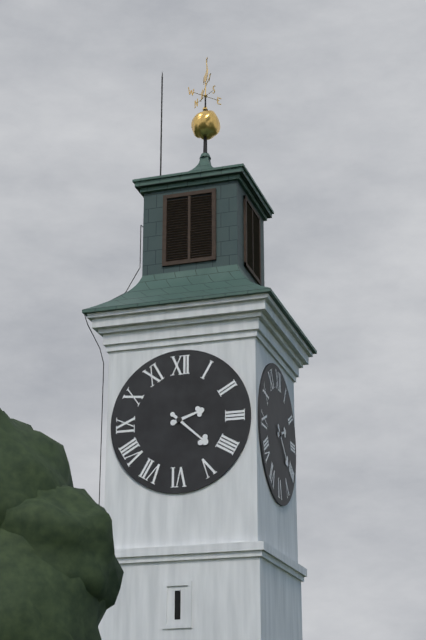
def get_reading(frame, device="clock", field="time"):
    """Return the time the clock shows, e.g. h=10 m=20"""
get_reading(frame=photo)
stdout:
h=2 m=22
